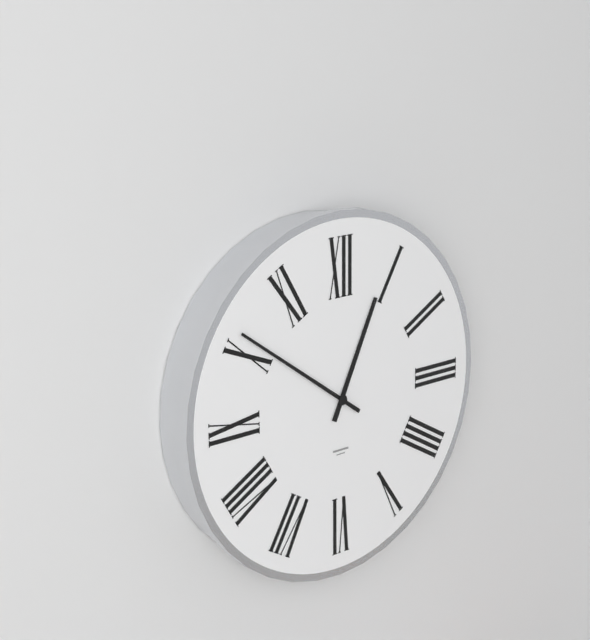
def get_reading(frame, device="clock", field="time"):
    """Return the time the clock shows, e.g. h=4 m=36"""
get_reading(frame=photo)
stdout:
h=12 m=51
